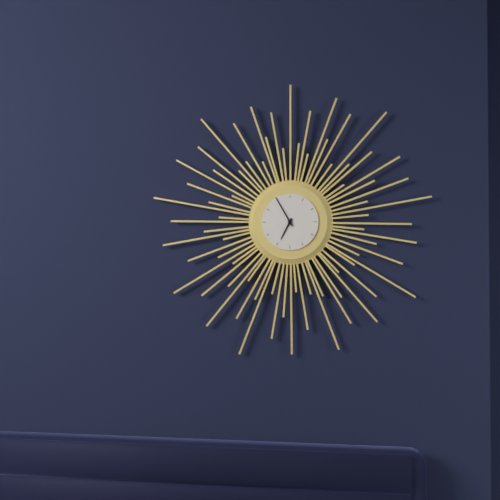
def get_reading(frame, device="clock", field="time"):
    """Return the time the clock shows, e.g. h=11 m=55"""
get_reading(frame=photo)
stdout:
h=6 m=55
